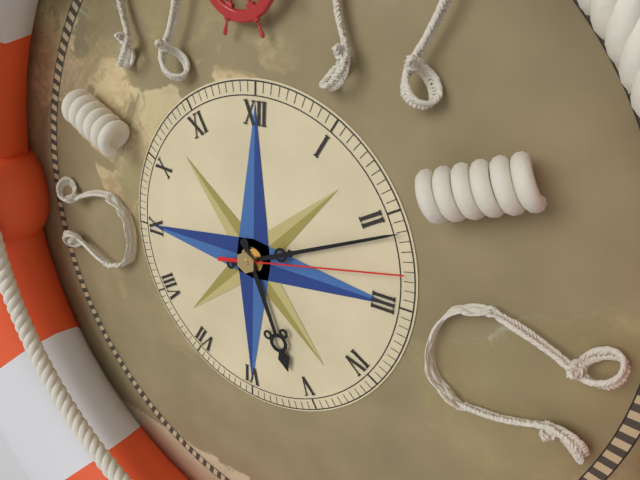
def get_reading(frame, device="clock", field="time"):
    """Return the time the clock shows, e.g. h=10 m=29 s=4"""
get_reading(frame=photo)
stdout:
h=5 m=11 s=13
